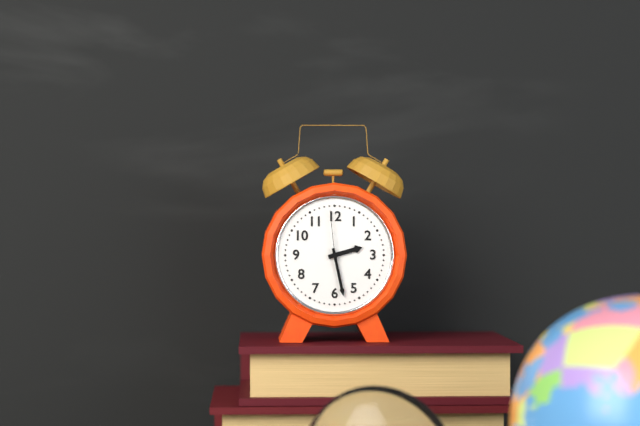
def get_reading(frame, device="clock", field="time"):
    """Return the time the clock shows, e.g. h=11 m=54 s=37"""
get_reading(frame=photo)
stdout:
h=2 m=28 s=59
